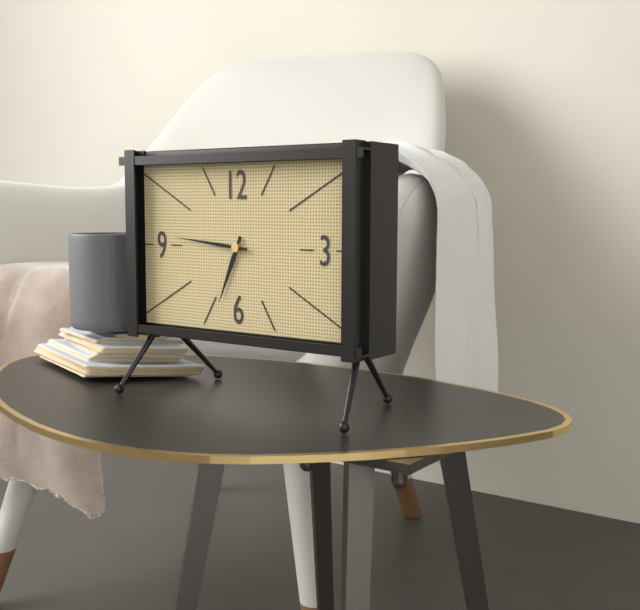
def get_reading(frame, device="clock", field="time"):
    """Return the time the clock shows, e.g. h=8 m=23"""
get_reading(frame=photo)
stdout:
h=6 m=46
